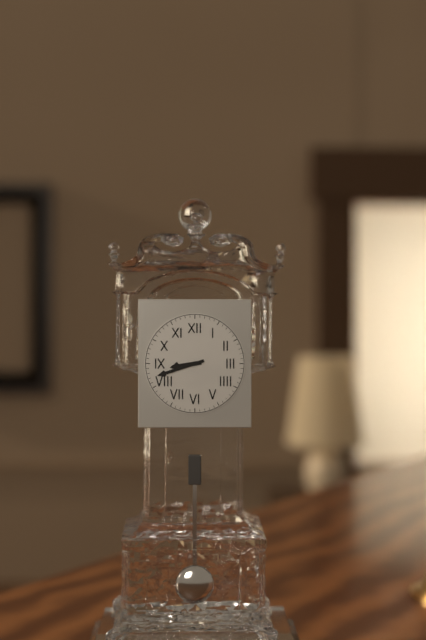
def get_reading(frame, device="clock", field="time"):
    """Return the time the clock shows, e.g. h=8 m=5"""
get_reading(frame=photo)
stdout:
h=8 m=42
